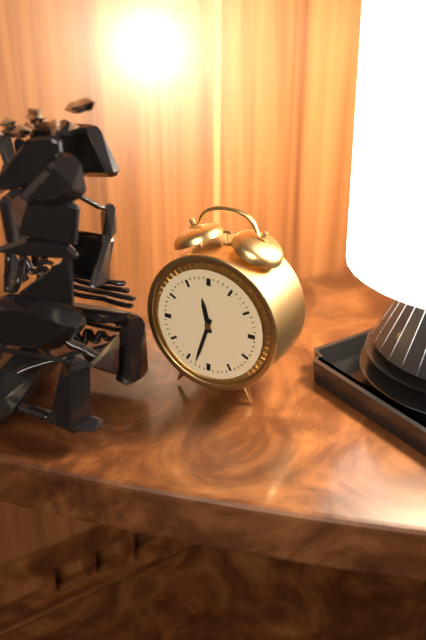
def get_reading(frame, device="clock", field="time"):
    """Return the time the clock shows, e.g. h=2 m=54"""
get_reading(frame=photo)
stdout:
h=11 m=33
